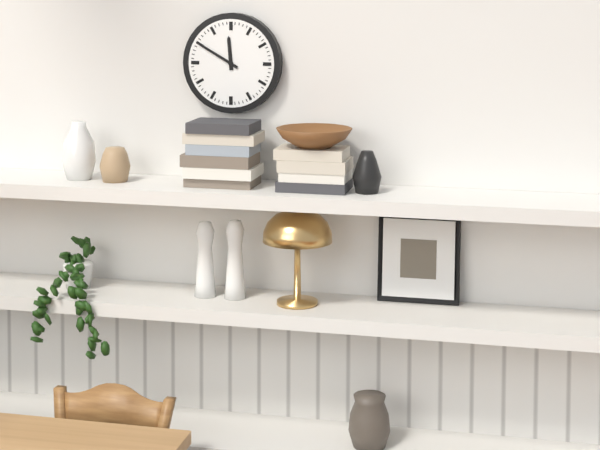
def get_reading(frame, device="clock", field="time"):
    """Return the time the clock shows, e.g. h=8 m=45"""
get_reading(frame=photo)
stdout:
h=11 m=50
